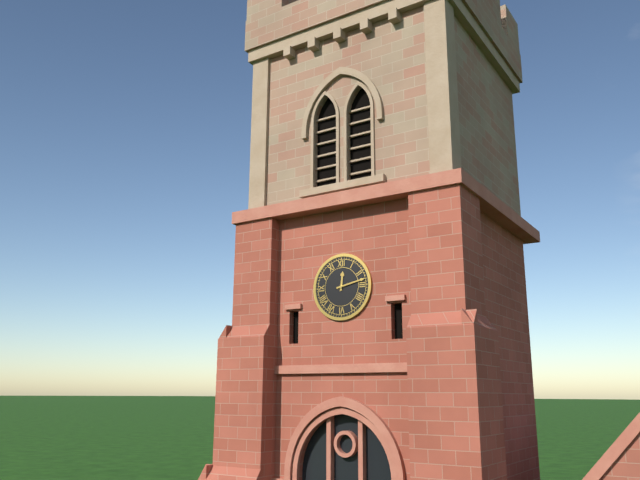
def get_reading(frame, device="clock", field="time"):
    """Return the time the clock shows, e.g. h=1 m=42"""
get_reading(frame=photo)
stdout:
h=12 m=13
